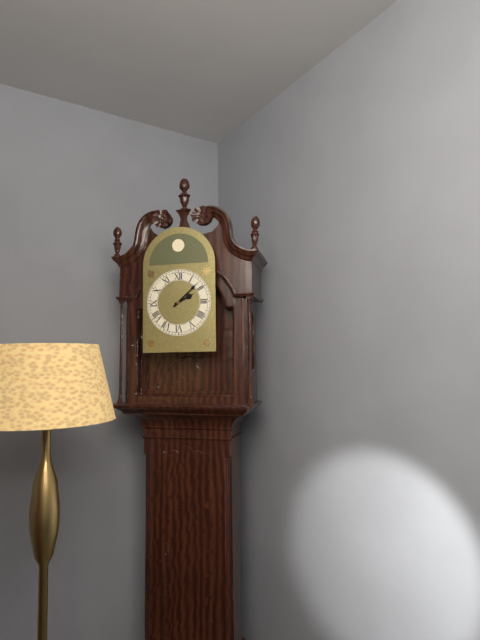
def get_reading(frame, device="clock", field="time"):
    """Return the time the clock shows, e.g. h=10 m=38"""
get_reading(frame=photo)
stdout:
h=2 m=8
